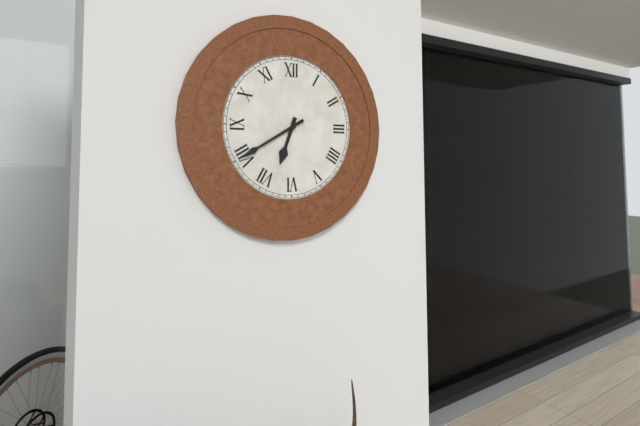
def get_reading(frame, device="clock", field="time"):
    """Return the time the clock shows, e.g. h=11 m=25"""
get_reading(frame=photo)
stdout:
h=6 m=40
